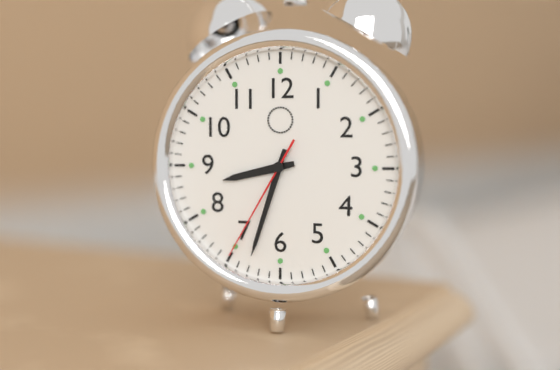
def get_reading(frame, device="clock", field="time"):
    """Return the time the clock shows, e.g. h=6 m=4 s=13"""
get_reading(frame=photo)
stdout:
h=8 m=33 s=35
